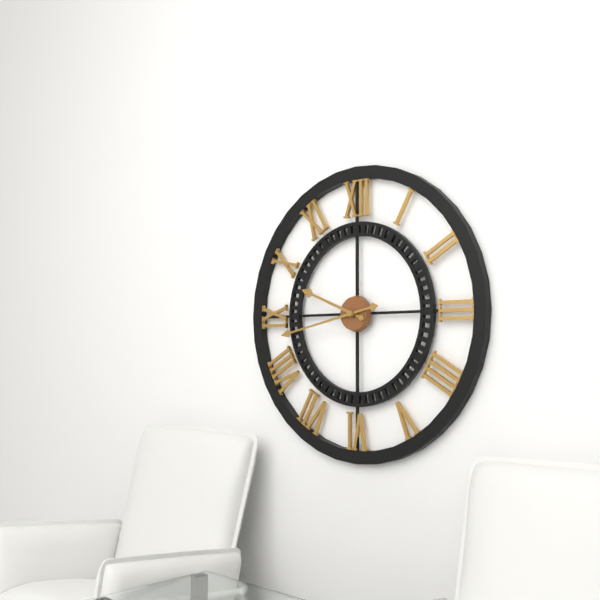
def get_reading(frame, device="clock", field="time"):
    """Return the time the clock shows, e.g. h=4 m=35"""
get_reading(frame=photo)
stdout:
h=9 m=43
